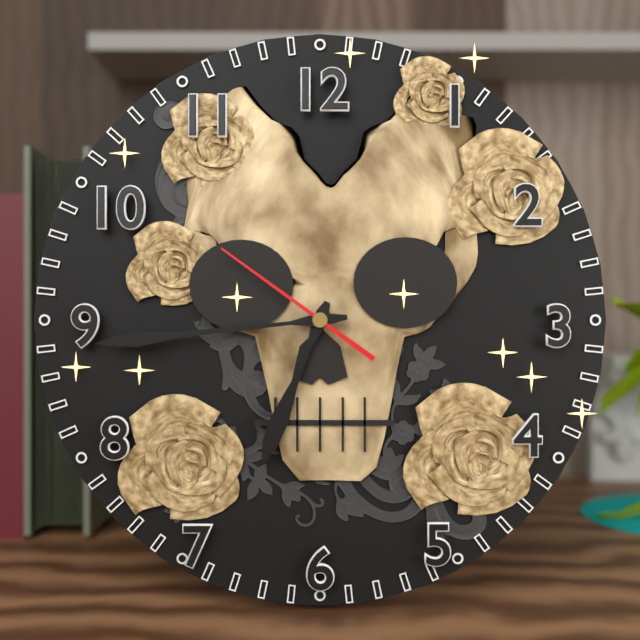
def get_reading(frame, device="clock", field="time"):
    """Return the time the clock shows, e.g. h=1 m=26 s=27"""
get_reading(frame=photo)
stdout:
h=6 m=44 s=51
